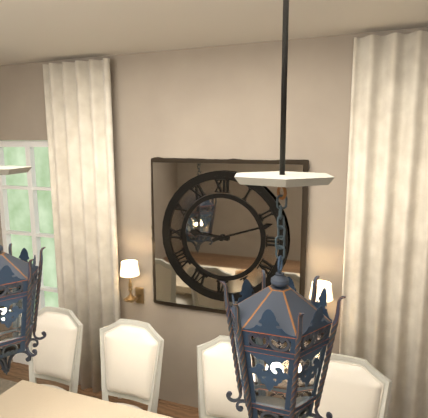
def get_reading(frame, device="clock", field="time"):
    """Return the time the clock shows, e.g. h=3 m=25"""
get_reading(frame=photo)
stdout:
h=9 m=12
